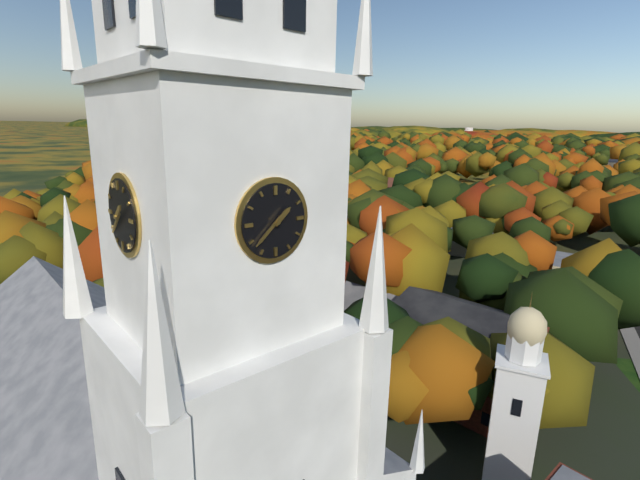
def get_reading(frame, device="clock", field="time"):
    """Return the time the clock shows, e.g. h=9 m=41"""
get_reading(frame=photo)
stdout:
h=1 m=38
